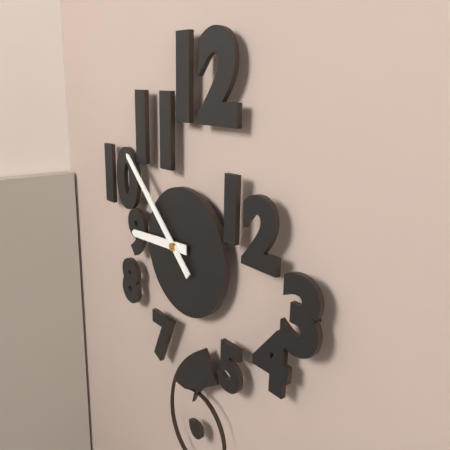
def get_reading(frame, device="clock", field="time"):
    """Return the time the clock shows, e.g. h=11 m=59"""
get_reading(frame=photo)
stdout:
h=8 m=52
